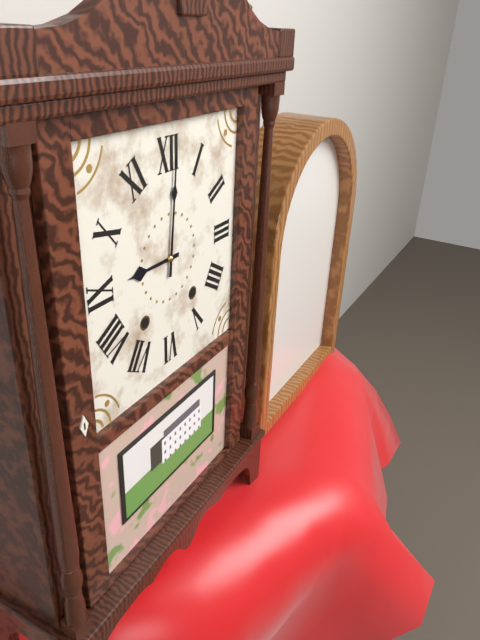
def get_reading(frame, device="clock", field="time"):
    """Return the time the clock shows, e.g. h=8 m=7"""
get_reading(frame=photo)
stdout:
h=9 m=1
